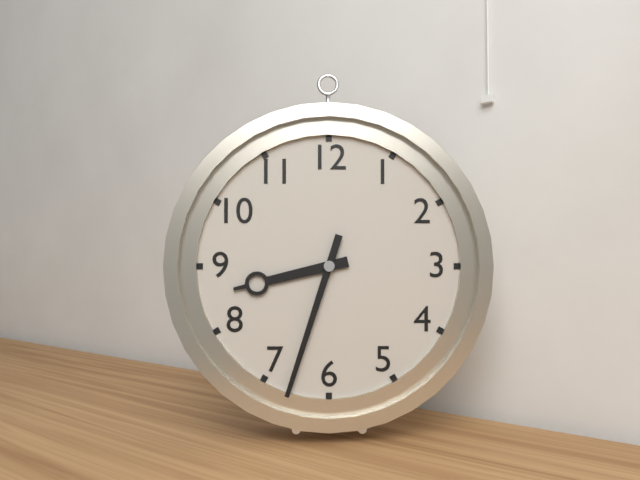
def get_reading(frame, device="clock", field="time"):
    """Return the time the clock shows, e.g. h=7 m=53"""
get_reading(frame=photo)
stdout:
h=8 m=33
